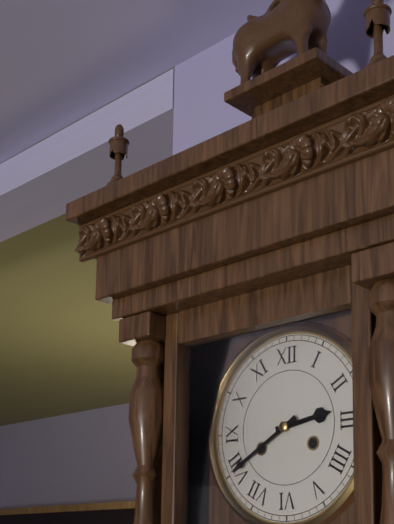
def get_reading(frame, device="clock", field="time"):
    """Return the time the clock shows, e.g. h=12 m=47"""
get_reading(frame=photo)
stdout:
h=2 m=40
